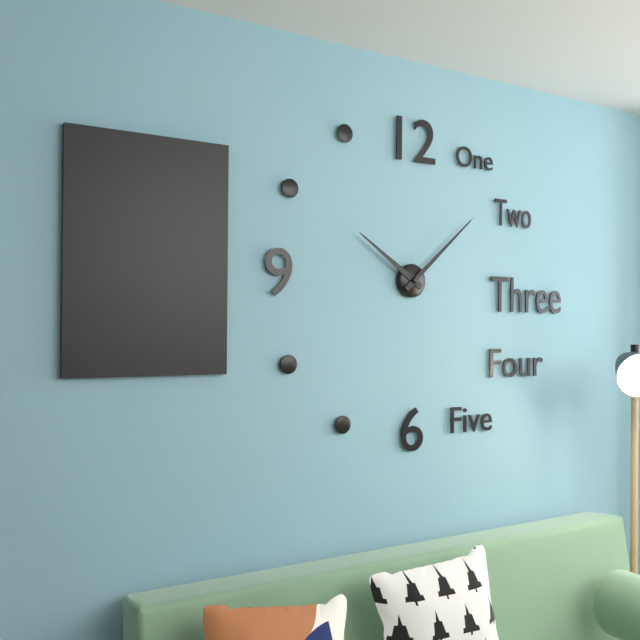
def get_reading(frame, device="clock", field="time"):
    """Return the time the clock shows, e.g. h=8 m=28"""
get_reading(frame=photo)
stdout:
h=10 m=8
